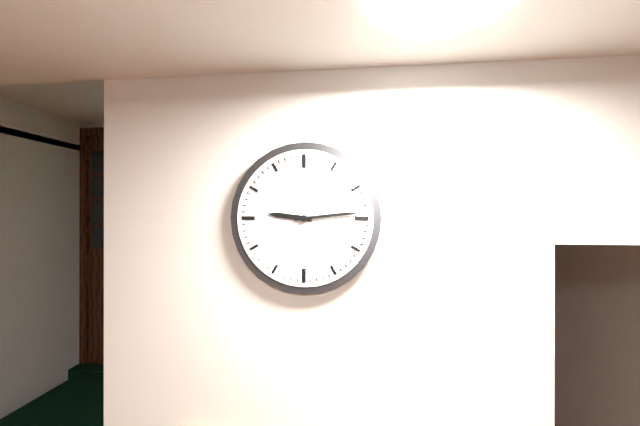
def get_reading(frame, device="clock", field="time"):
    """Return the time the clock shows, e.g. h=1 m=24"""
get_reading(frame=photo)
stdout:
h=9 m=14
